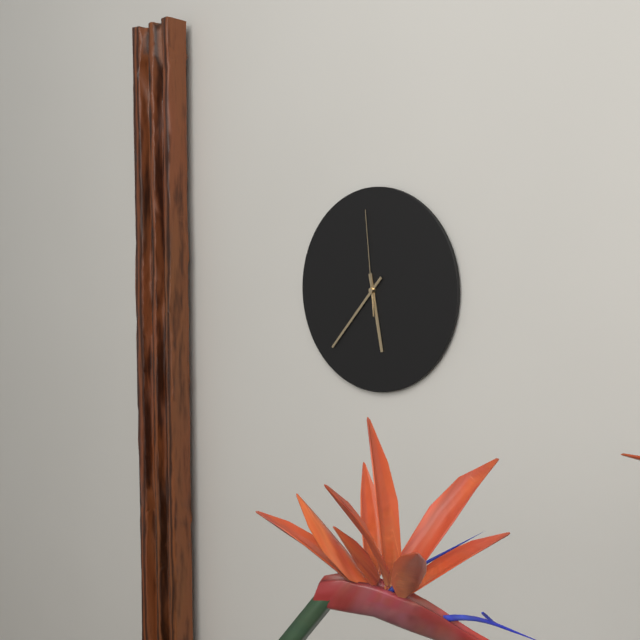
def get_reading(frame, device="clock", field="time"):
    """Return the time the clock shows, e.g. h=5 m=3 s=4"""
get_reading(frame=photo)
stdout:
h=5 m=37 s=59
